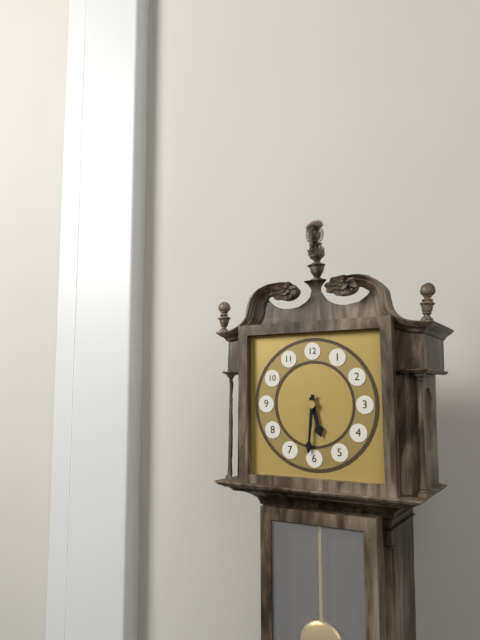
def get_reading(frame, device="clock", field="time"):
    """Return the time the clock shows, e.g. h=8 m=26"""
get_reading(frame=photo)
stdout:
h=5 m=31
